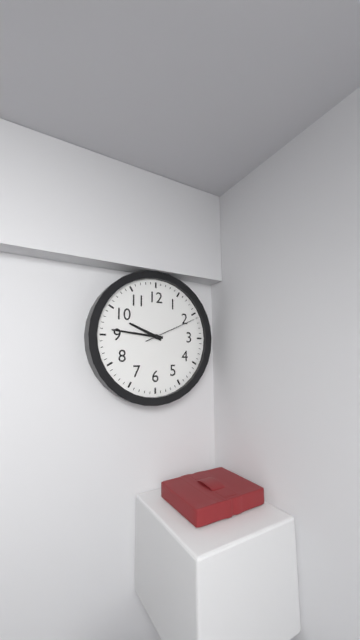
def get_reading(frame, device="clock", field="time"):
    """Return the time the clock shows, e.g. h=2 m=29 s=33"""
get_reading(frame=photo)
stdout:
h=9 m=46 s=11
